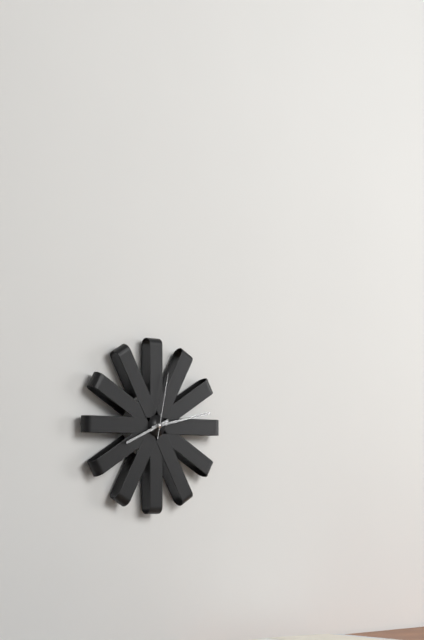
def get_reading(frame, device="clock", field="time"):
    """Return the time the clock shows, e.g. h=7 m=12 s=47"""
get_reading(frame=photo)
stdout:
h=8 m=13 s=2
